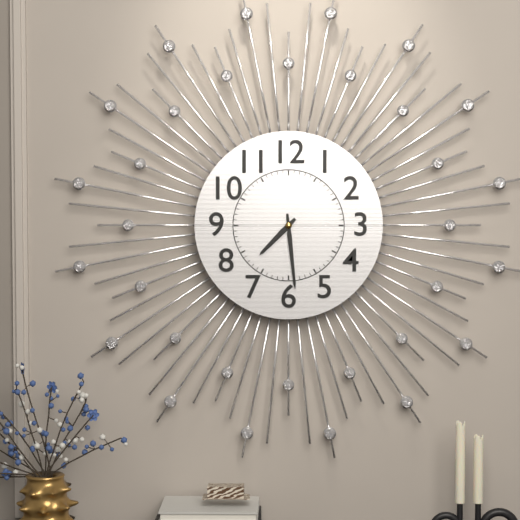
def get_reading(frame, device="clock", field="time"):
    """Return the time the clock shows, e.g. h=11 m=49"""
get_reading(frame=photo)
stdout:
h=7 m=29
